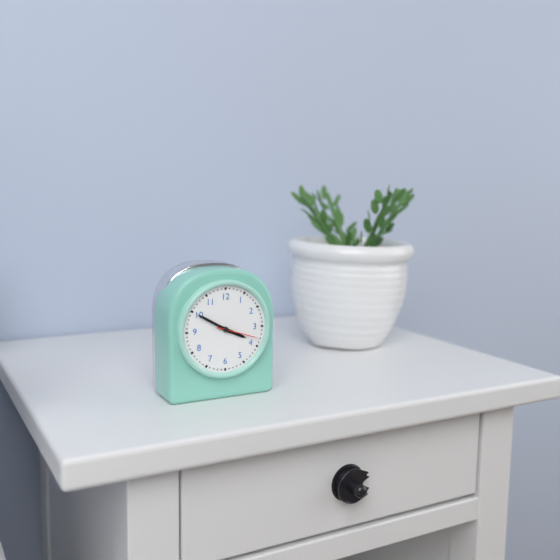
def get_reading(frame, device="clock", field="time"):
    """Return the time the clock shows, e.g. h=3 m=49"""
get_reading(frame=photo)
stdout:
h=3 m=50
